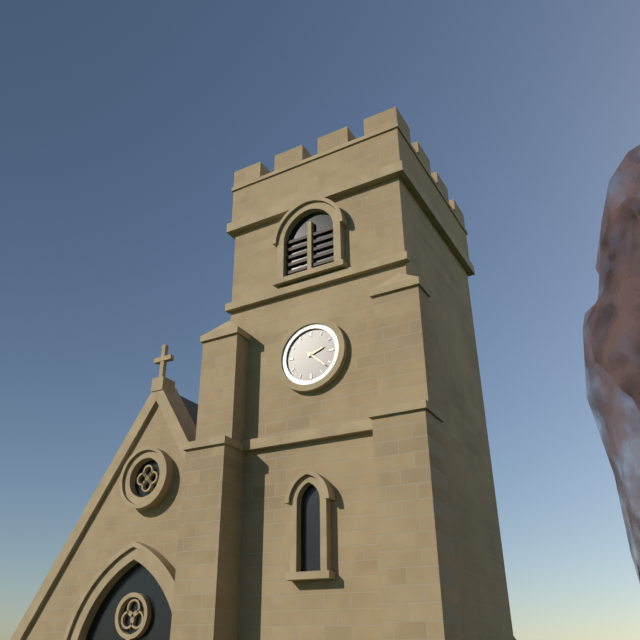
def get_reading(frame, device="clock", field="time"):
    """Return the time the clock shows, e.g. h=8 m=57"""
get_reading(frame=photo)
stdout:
h=2 m=22
